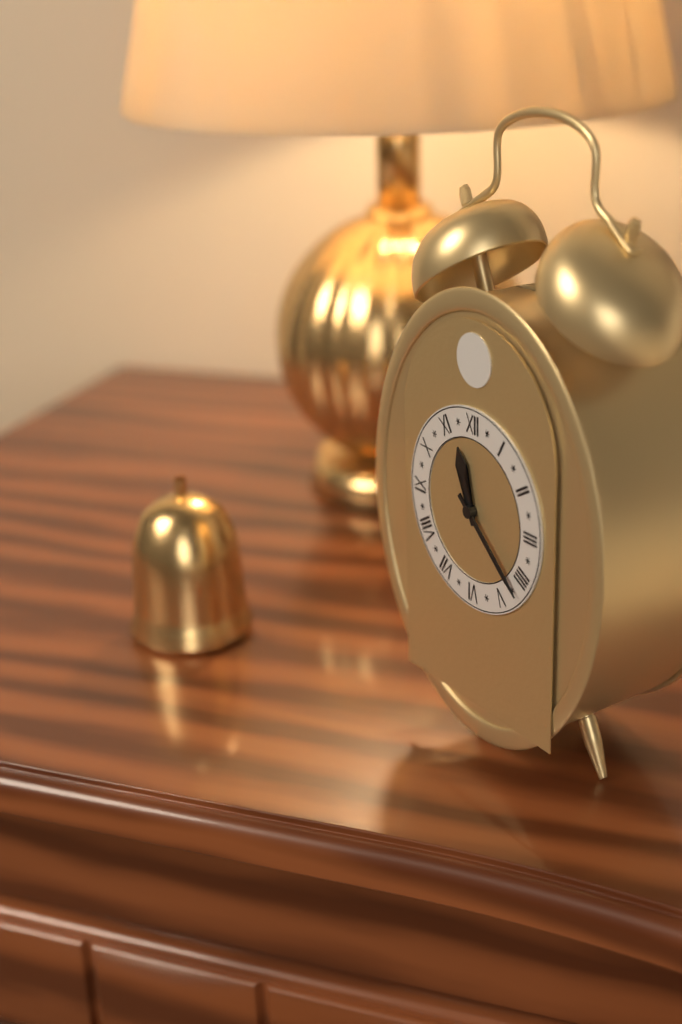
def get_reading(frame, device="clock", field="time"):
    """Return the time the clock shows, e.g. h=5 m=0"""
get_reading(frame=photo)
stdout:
h=11 m=22
